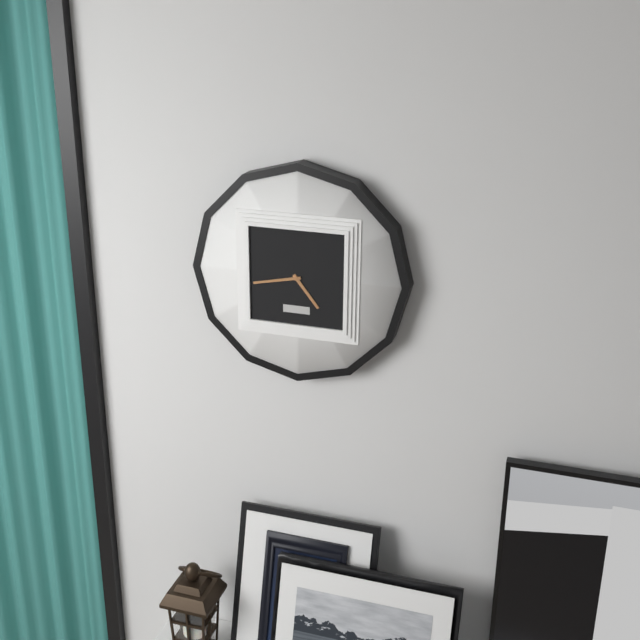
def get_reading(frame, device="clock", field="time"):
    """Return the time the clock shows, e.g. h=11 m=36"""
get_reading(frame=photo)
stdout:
h=4 m=43
